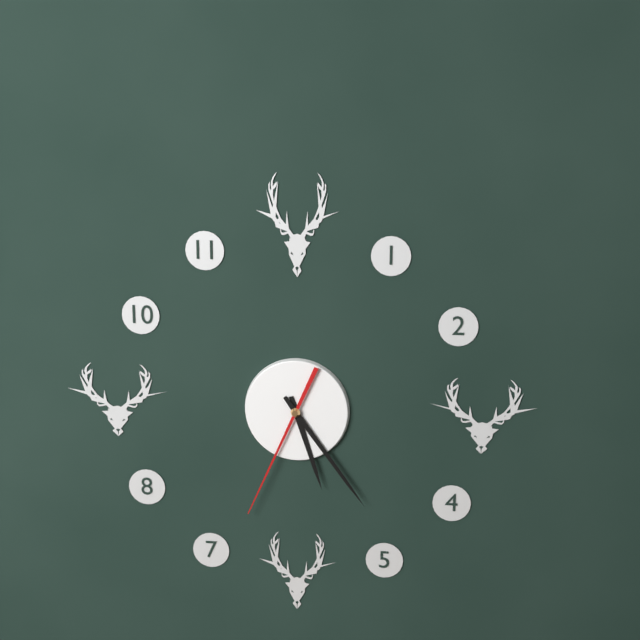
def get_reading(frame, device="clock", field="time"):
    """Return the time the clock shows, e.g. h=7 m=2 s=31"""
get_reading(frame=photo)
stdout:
h=5 m=24 s=34
